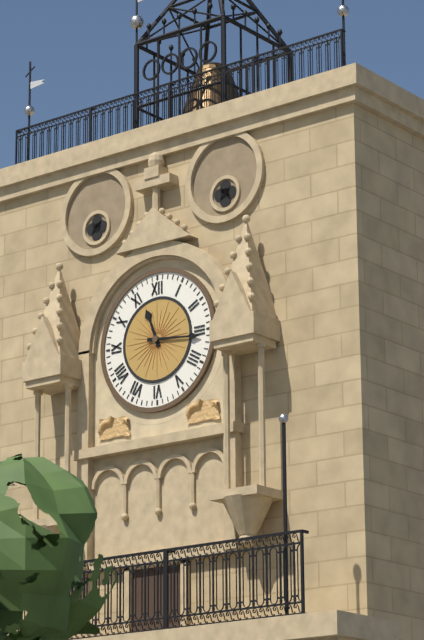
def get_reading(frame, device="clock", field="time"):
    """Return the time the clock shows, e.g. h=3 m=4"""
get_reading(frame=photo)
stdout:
h=11 m=16
